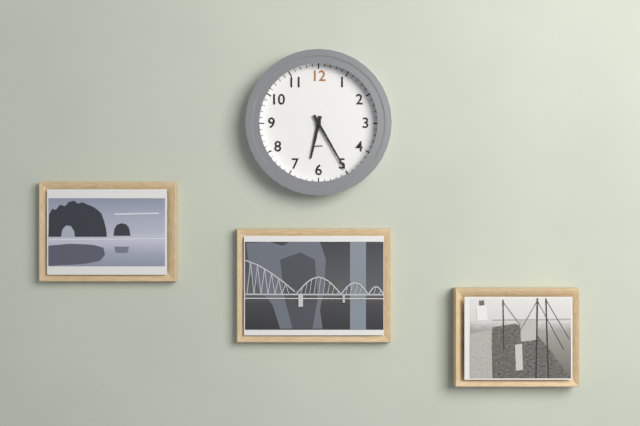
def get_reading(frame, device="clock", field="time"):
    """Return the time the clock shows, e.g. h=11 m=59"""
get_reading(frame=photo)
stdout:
h=6 m=25
